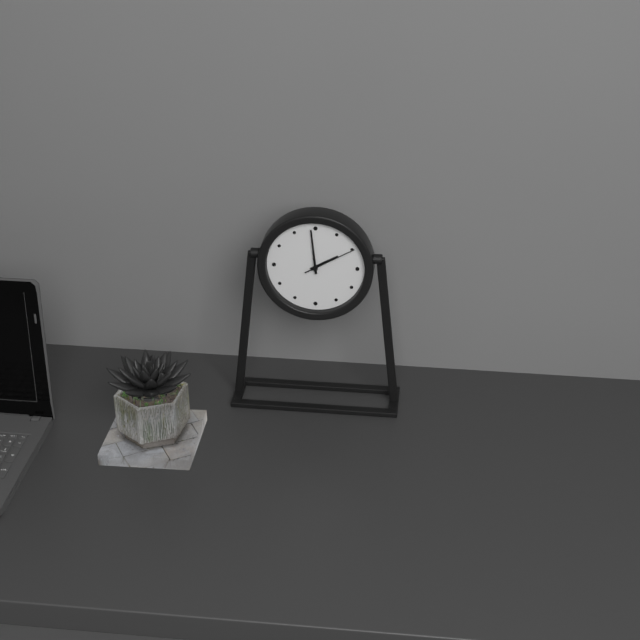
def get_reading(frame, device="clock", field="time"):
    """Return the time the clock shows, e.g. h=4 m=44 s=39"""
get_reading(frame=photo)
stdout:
h=1 m=59 s=10
